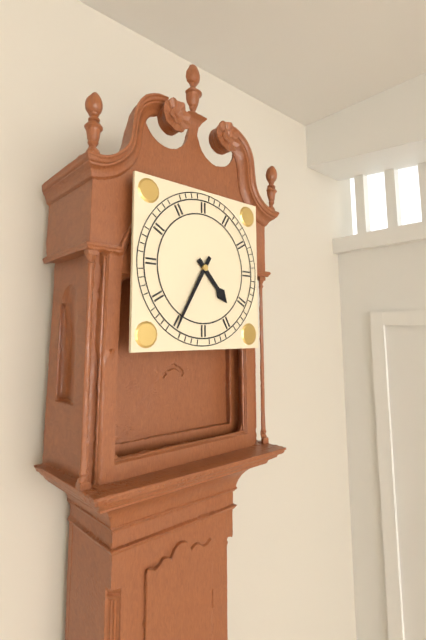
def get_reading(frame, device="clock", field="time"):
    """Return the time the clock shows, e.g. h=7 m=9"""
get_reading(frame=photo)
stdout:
h=4 m=35
